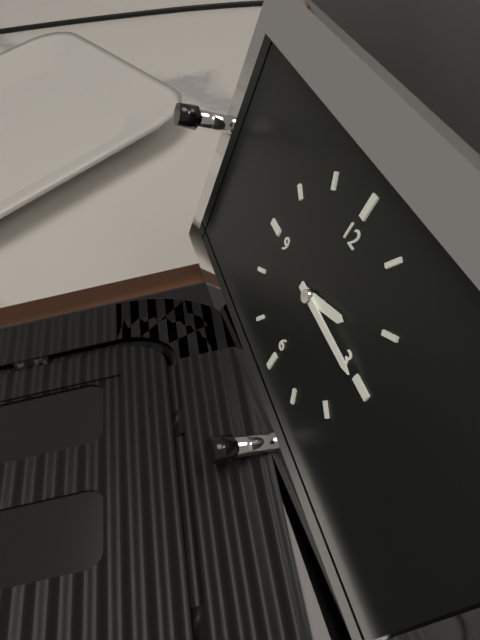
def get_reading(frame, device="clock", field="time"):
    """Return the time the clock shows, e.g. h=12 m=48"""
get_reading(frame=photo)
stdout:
h=2 m=15
